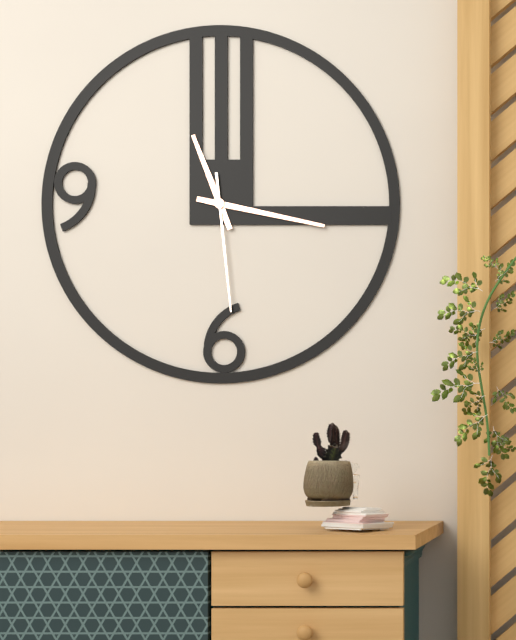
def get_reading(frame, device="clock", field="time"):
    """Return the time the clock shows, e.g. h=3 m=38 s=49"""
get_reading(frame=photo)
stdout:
h=11 m=17 s=29
